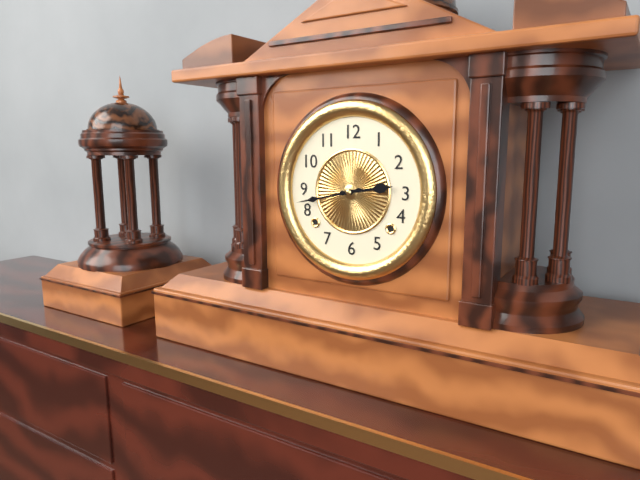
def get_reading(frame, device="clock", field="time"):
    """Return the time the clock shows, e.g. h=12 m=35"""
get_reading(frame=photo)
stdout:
h=2 m=43
